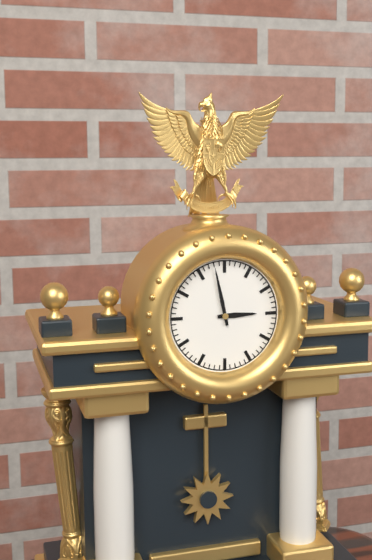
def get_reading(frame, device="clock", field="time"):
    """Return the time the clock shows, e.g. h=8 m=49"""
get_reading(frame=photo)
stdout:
h=2 m=58
